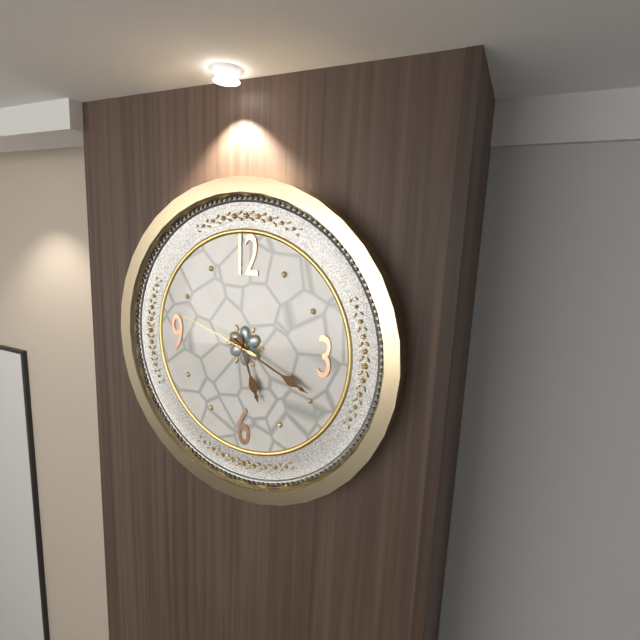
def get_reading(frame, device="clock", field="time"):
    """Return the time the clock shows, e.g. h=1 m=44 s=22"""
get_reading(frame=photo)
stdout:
h=5 m=19 s=48
